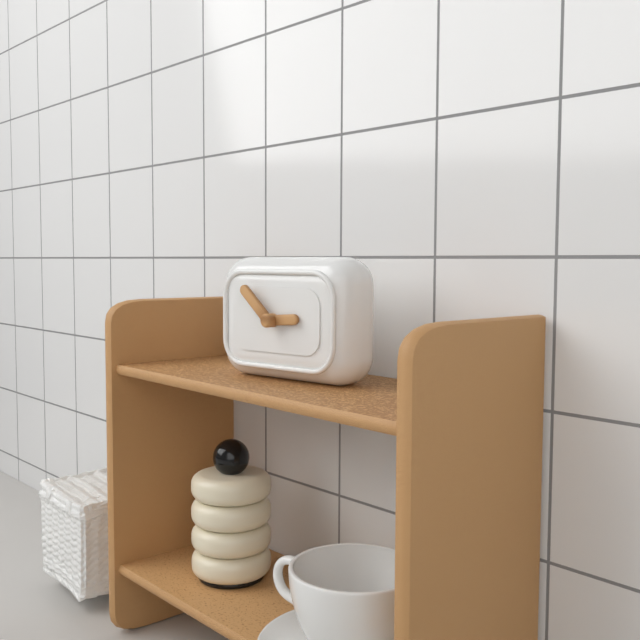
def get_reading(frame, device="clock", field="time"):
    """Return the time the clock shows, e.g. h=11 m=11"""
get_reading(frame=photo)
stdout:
h=2 m=52
